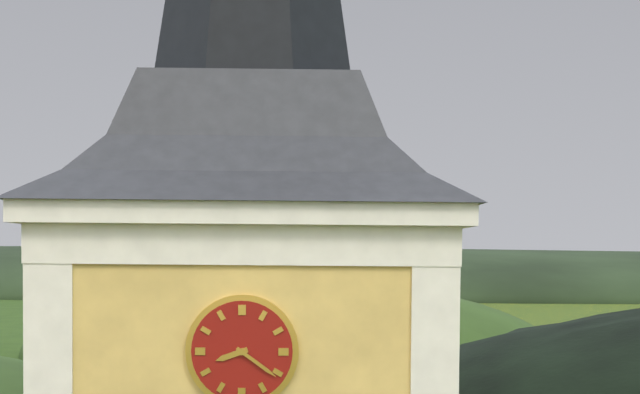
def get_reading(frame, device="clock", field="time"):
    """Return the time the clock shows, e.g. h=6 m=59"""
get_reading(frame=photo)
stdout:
h=8 m=21
